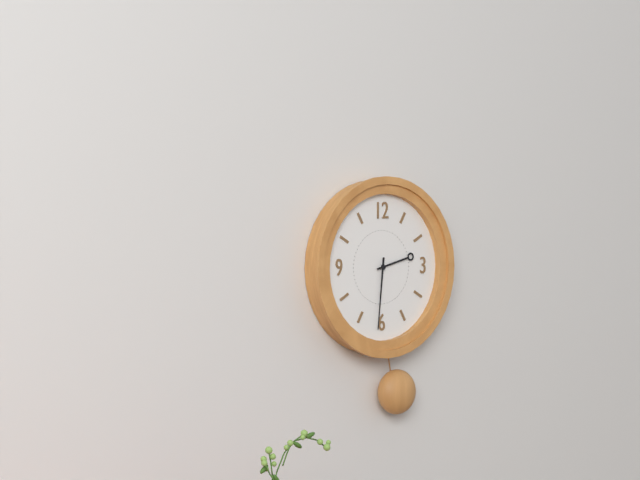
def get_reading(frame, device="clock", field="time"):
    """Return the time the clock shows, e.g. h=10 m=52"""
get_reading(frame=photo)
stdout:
h=2 m=31
